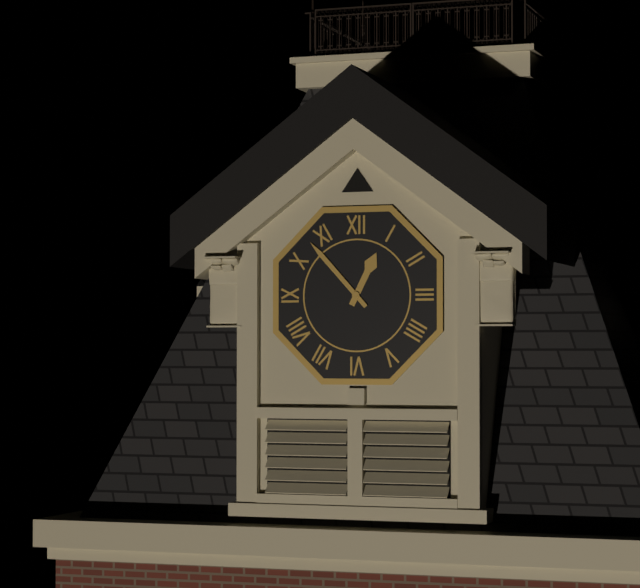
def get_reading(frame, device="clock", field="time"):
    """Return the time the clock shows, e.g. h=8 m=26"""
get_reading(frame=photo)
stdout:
h=12 m=53
